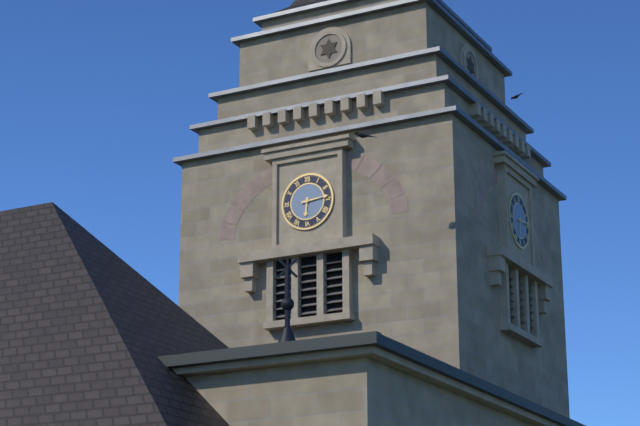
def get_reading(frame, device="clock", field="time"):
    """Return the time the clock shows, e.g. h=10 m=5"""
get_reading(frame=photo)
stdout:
h=6 m=14
